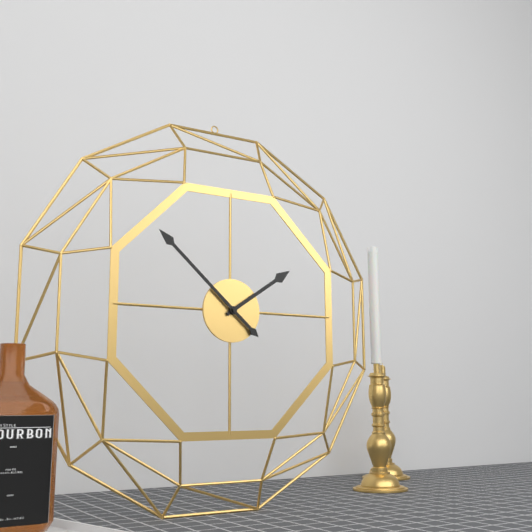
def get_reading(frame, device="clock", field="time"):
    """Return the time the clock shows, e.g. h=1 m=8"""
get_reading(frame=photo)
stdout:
h=1 m=52
